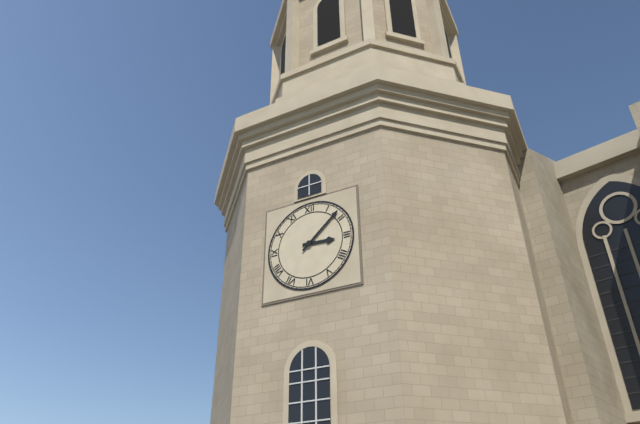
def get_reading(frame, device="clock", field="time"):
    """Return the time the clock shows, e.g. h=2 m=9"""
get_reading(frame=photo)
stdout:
h=3 m=8
